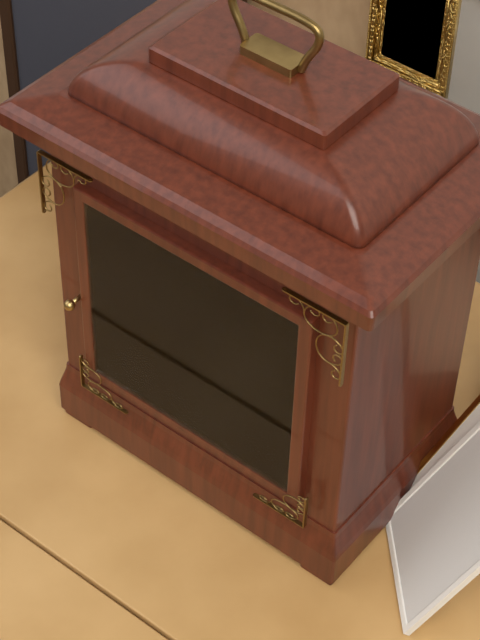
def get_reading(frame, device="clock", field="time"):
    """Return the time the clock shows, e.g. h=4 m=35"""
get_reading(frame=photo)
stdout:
h=11 m=50
